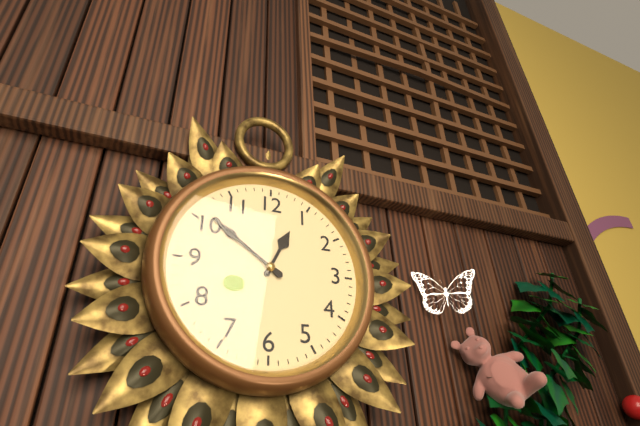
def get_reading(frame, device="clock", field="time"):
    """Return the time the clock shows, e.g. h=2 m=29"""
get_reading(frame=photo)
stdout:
h=12 m=51
